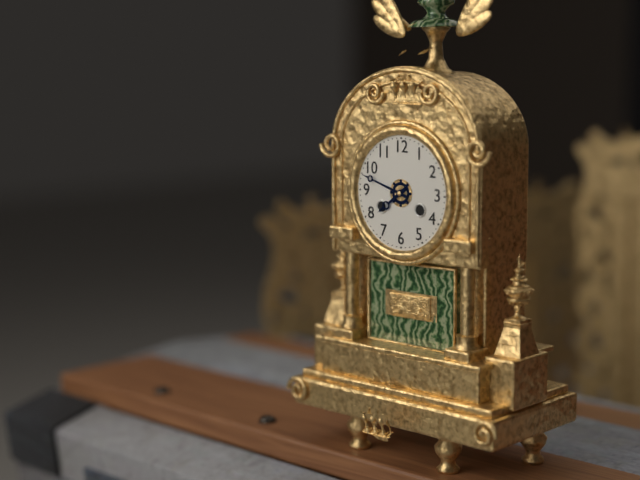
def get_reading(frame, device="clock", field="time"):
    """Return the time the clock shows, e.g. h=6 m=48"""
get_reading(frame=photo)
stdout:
h=7 m=48
